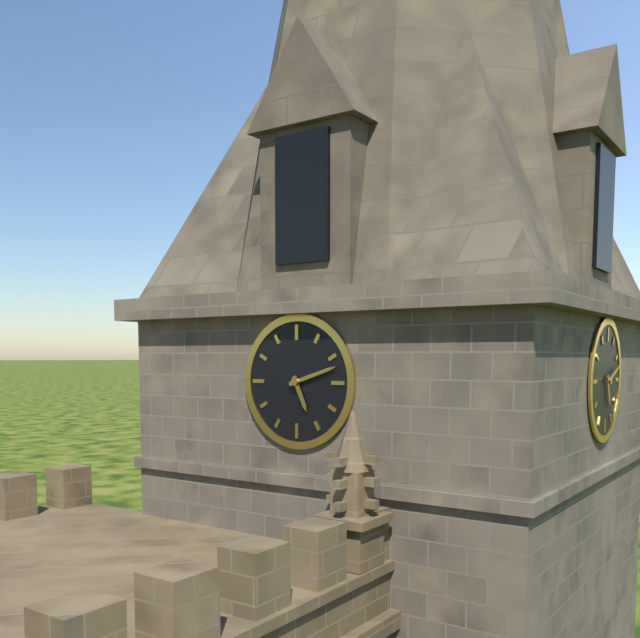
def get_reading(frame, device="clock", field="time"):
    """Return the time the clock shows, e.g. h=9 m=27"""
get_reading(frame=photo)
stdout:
h=5 m=12
